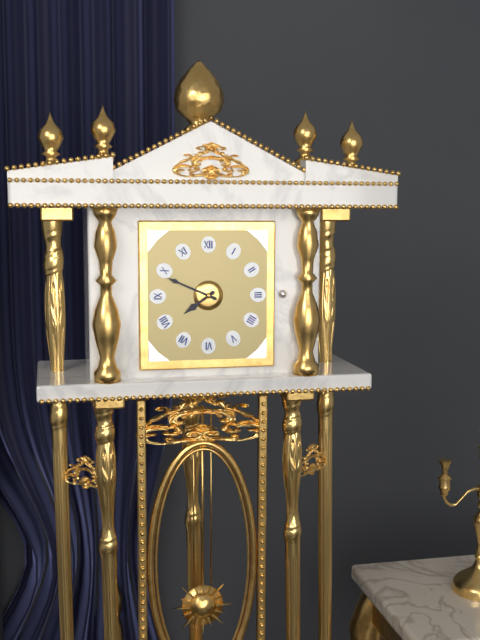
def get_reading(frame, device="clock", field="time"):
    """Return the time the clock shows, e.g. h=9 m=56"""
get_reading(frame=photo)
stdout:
h=7 m=49
